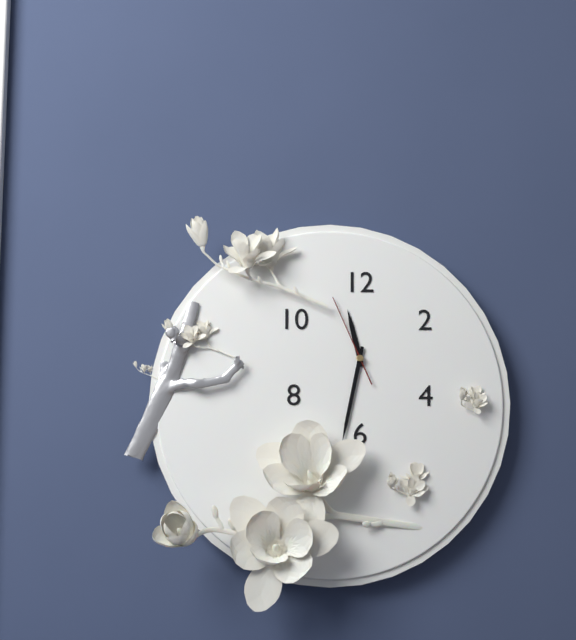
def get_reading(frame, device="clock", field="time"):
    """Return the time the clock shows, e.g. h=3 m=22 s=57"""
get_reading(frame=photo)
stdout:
h=11 m=32 s=56
